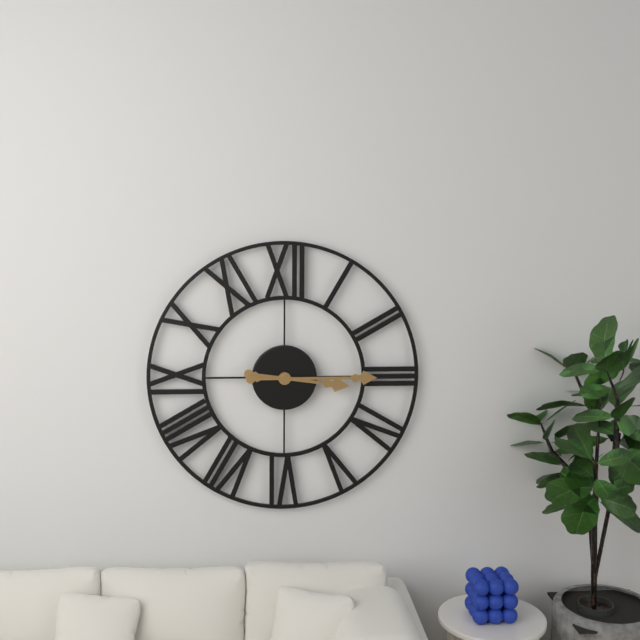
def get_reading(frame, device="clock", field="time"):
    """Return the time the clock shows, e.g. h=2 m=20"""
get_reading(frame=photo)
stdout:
h=3 m=15
